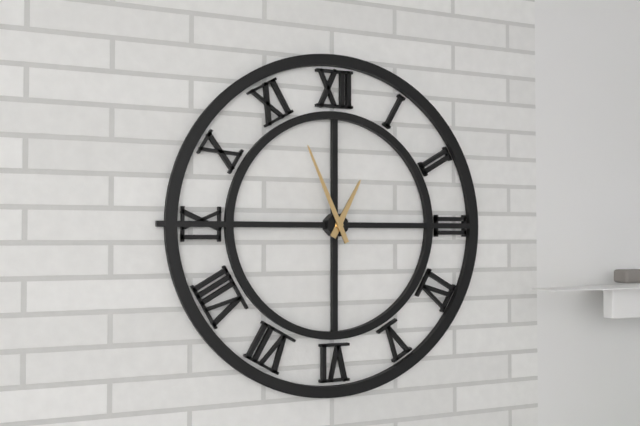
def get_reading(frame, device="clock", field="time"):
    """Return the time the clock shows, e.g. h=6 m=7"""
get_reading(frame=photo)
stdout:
h=12 m=56
